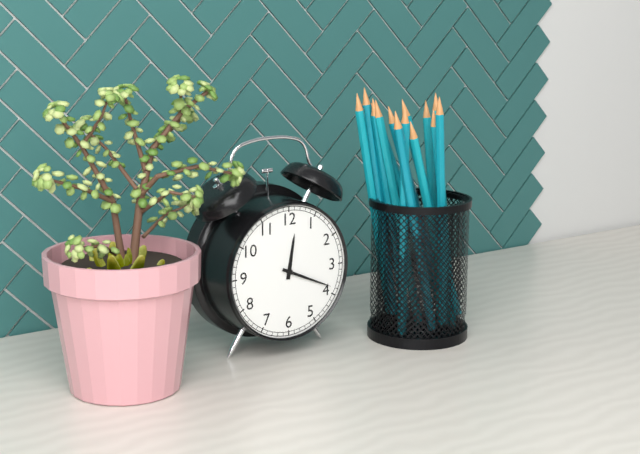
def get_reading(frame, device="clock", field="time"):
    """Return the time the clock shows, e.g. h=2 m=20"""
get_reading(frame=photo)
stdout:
h=12 m=19
